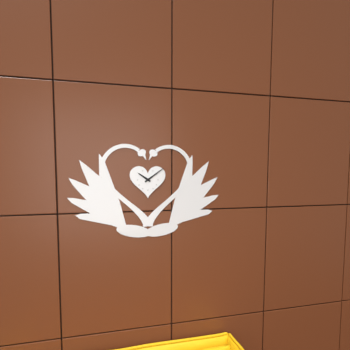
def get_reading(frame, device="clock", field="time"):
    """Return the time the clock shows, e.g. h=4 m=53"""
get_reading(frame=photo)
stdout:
h=10 m=9
